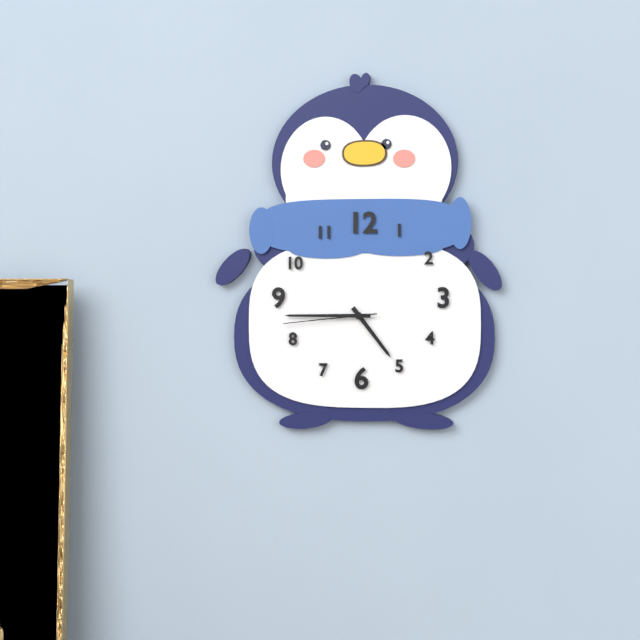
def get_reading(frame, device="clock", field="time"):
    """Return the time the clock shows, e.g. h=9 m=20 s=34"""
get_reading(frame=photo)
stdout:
h=4 m=45 s=44
